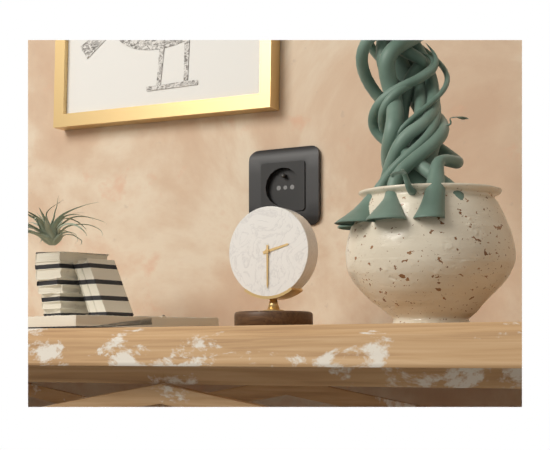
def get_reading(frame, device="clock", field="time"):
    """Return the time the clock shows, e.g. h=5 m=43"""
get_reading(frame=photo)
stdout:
h=2 m=30
